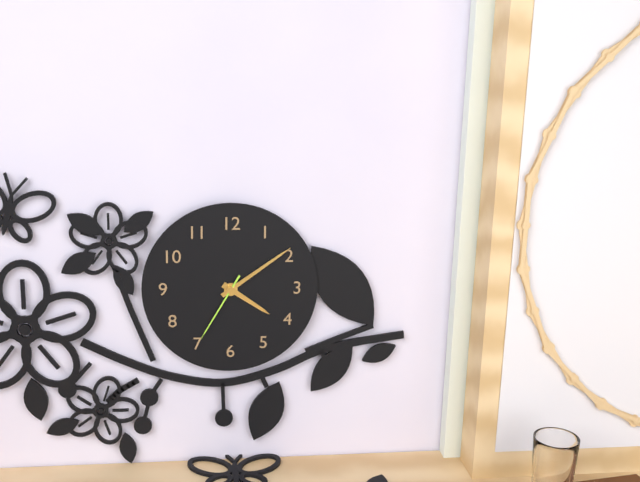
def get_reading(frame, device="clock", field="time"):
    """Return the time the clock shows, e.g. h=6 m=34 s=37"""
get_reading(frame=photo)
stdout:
h=4 m=9 s=35
